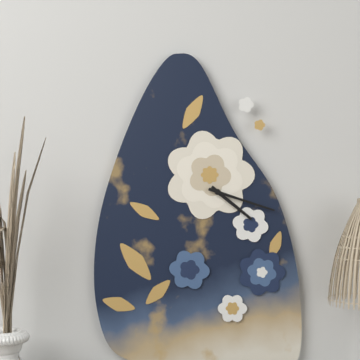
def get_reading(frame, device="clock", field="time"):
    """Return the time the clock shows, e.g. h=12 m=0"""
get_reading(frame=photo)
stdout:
h=4 m=18
